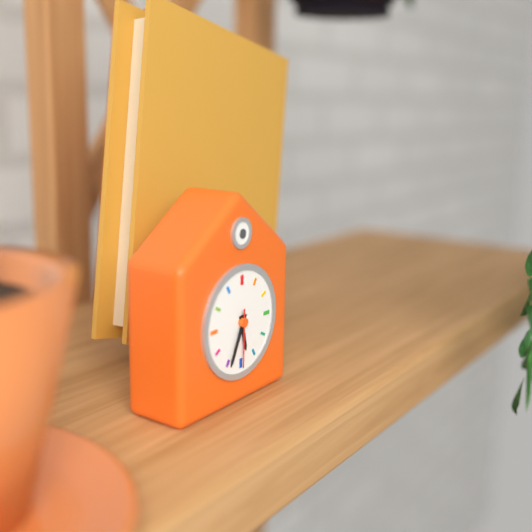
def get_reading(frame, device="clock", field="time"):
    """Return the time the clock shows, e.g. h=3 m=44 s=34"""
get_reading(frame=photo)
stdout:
h=5 m=34 s=30
